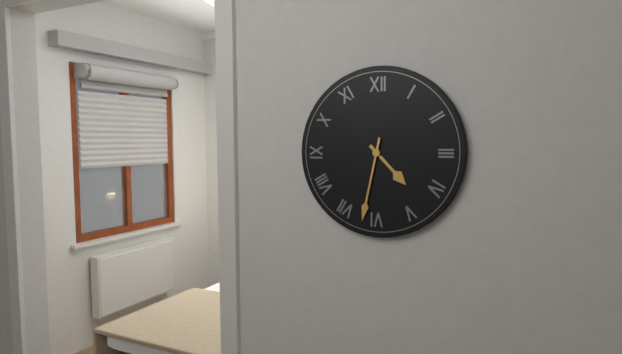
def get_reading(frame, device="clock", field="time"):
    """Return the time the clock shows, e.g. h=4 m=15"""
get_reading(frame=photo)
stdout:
h=4 m=32
